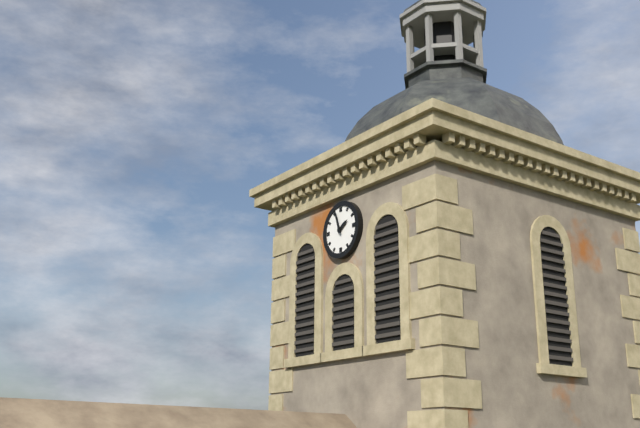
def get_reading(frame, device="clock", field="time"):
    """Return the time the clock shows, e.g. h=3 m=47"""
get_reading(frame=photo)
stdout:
h=1 m=57
